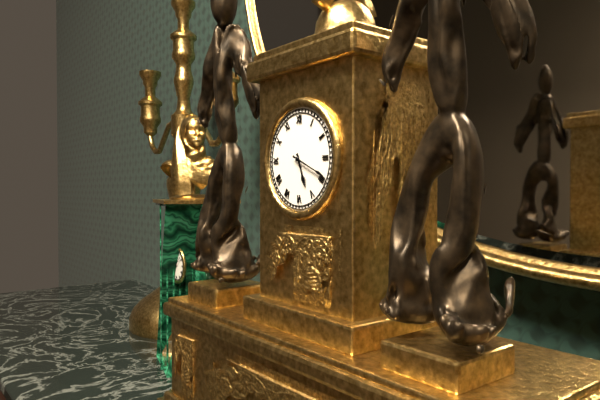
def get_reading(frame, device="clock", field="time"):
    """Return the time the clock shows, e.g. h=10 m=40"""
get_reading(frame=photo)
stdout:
h=5 m=19
